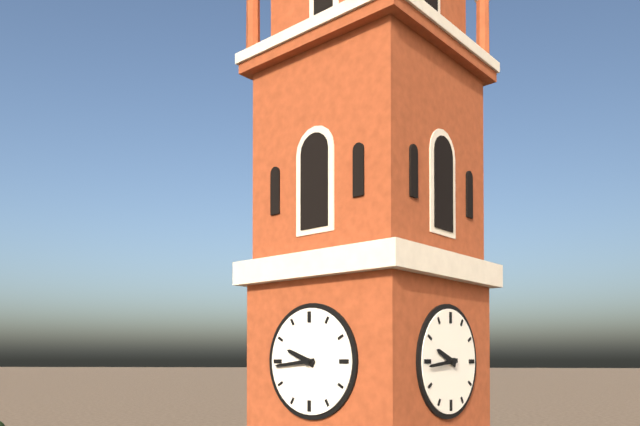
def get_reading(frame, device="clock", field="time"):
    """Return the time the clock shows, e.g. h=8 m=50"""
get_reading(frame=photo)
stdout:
h=9 m=44
